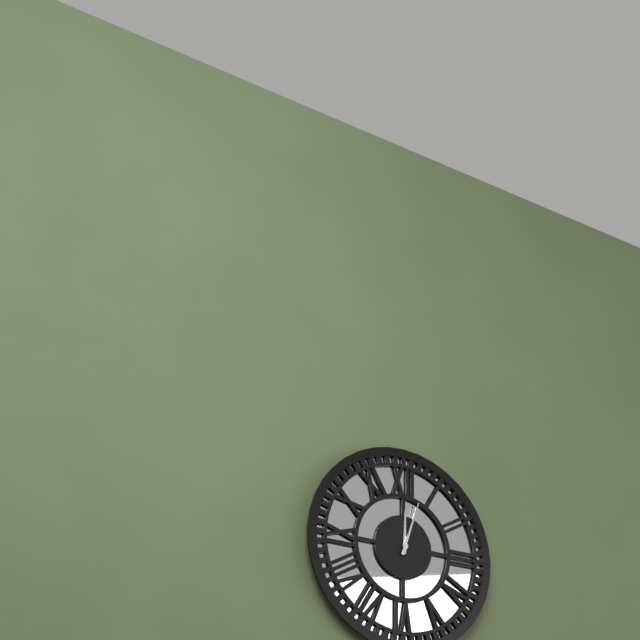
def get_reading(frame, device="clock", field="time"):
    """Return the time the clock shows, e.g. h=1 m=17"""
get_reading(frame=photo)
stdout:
h=12 m=3
